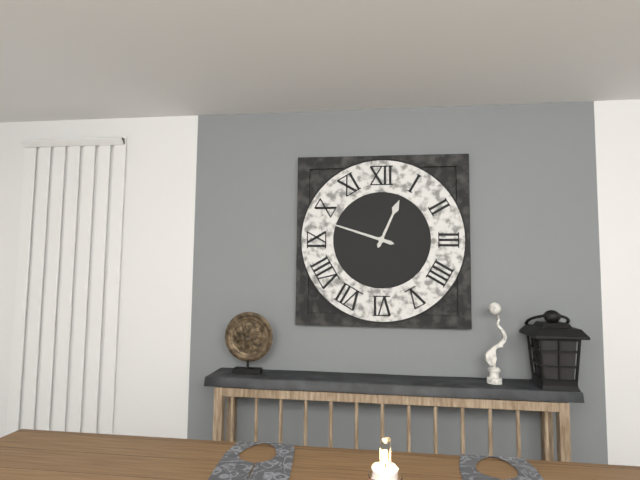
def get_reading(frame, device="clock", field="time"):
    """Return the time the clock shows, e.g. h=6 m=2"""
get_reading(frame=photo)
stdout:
h=12 m=48
